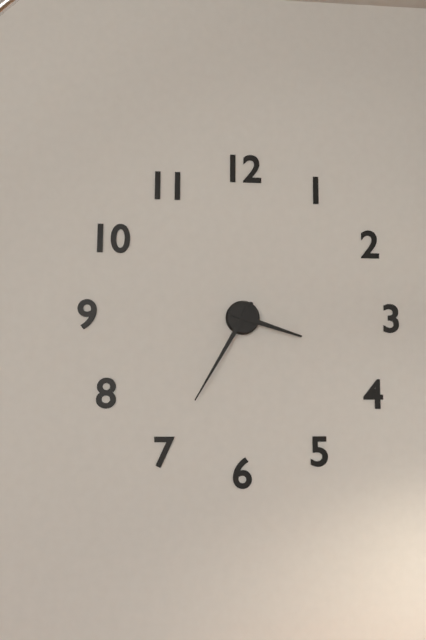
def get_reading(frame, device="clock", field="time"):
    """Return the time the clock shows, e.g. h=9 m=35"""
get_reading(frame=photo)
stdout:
h=3 m=35
